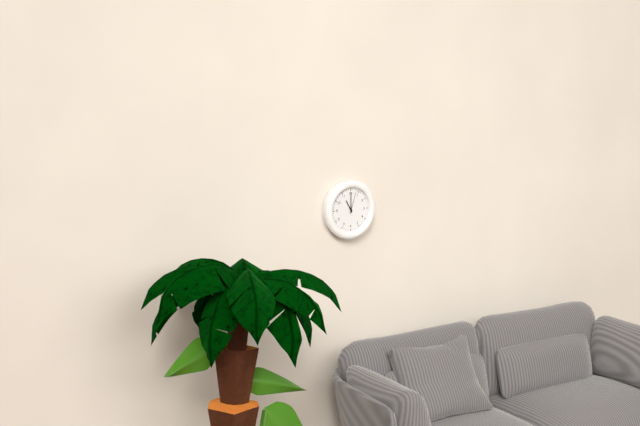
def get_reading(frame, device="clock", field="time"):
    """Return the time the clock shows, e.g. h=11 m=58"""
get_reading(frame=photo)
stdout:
h=11 m=0
